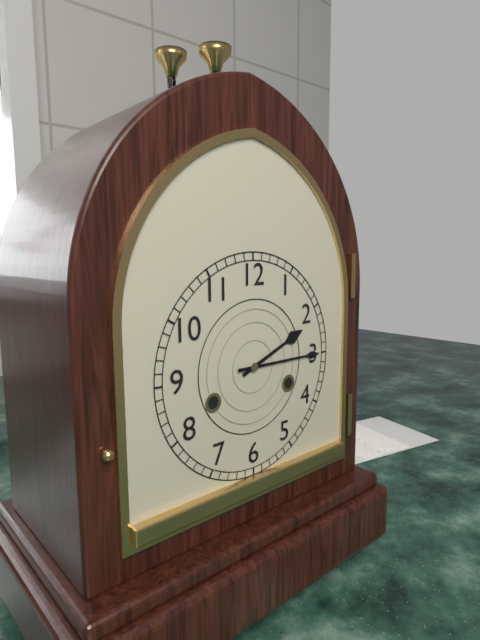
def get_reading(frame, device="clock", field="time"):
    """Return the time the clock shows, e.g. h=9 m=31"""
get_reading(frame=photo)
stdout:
h=2 m=15
